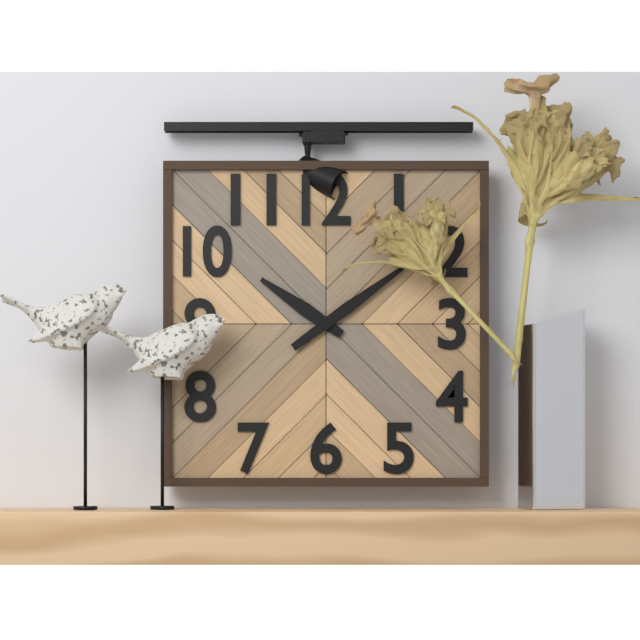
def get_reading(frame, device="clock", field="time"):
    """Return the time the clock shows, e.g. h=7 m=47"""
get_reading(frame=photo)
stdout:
h=10 m=9
